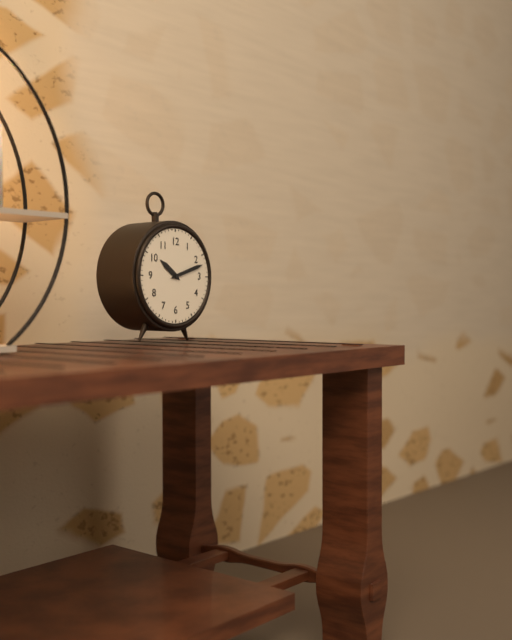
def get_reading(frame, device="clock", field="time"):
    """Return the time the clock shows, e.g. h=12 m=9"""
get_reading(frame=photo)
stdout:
h=10 m=12
